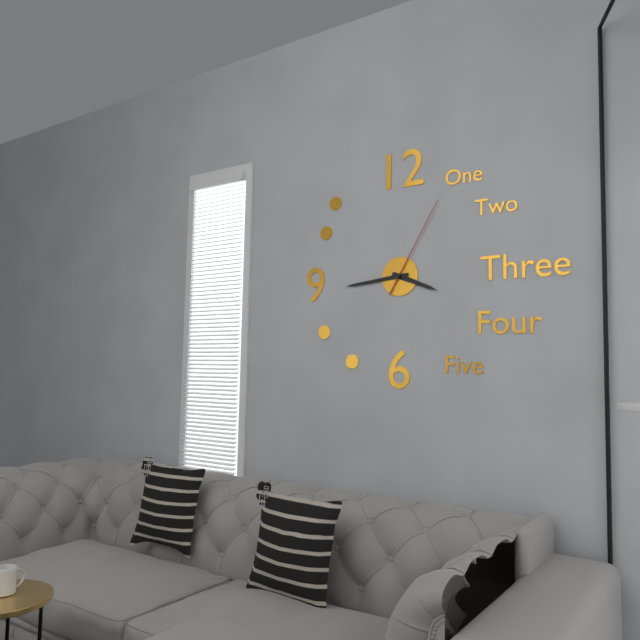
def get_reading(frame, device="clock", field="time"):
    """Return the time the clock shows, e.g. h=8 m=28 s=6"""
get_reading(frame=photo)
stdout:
h=3 m=44 s=5
